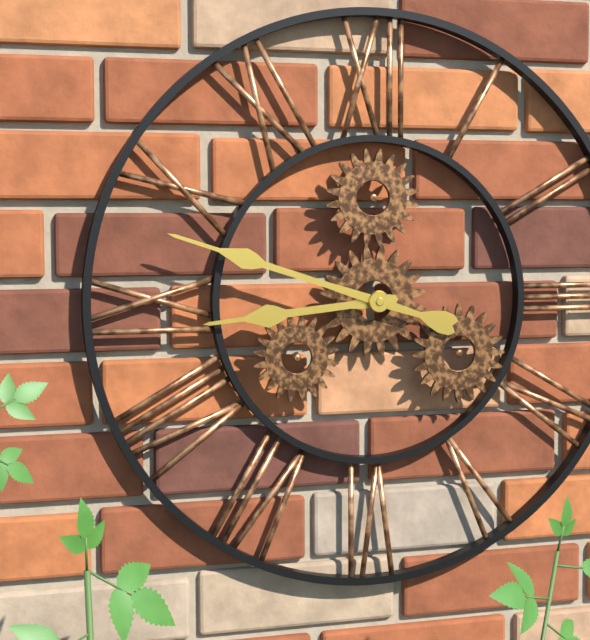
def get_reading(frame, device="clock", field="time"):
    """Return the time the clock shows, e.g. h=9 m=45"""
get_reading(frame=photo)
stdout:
h=8 m=48
